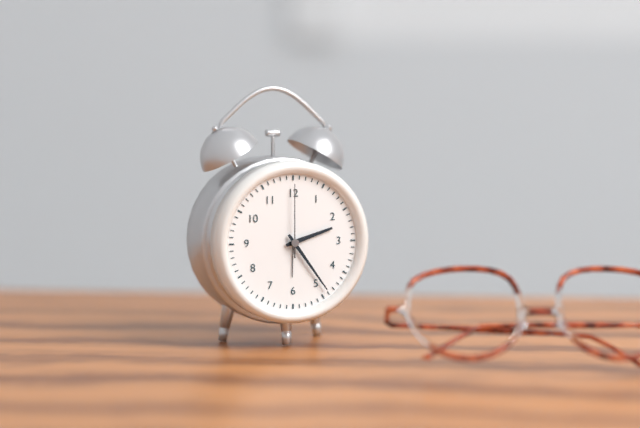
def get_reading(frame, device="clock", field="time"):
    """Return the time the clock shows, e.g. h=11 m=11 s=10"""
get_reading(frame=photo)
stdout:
h=2 m=24 s=0
